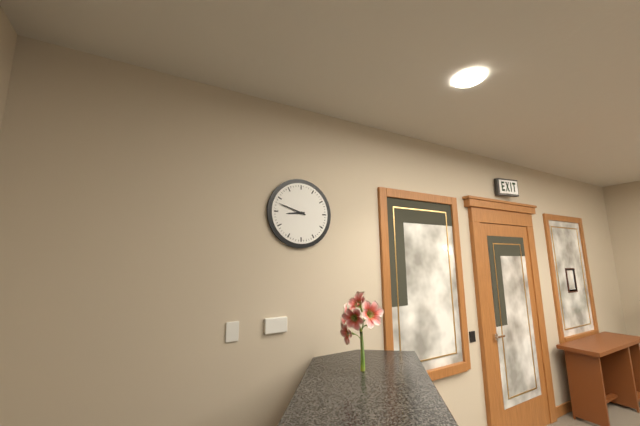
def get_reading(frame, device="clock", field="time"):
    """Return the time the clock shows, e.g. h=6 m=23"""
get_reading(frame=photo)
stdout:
h=8 m=48
